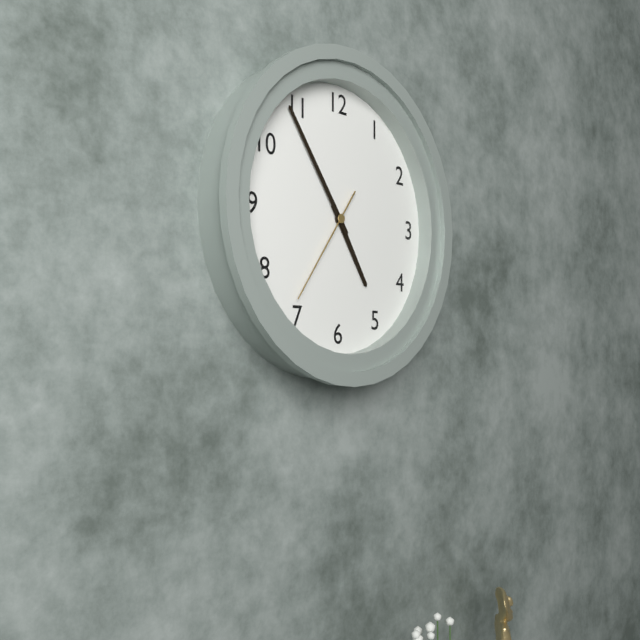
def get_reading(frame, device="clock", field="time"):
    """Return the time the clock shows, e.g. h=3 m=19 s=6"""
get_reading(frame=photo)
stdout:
h=4 m=54 s=36
